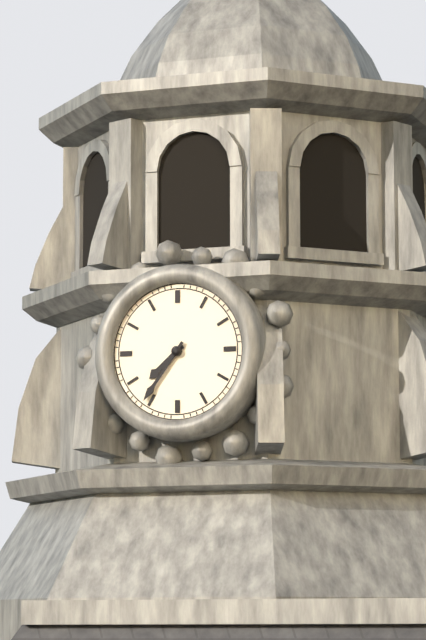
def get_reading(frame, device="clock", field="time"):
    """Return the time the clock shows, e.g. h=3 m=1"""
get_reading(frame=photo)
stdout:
h=7 m=36
